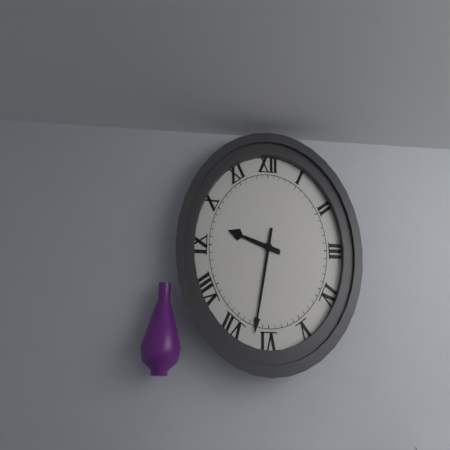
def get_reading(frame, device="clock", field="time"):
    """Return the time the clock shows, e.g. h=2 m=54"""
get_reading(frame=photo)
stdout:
h=9 m=32
